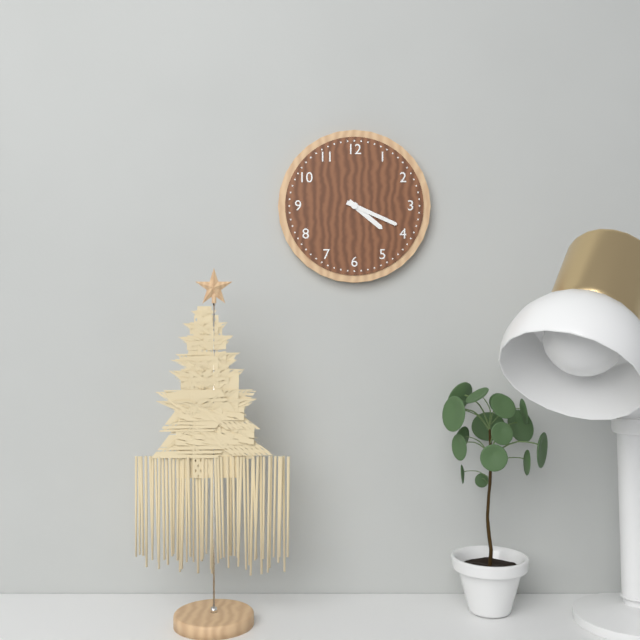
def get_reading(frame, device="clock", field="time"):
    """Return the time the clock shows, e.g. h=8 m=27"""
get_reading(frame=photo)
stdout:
h=4 m=19
